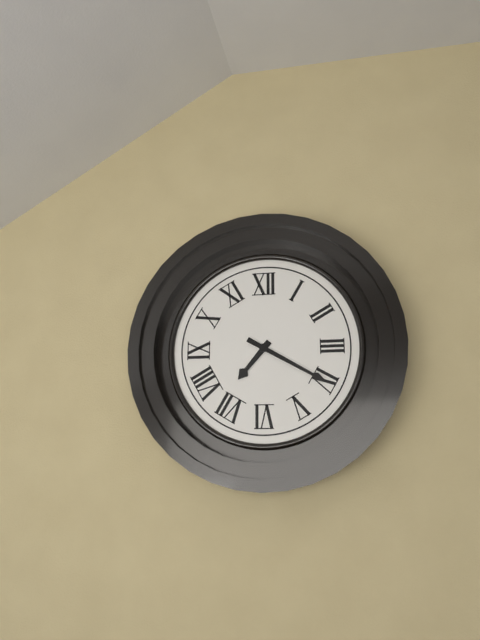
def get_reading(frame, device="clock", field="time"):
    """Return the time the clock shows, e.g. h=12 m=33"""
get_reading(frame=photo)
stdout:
h=7 m=20
